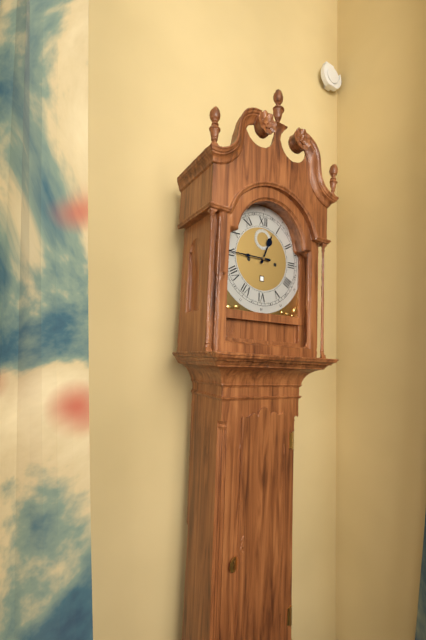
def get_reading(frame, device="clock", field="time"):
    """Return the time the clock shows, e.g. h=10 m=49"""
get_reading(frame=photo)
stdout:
h=12 m=45
